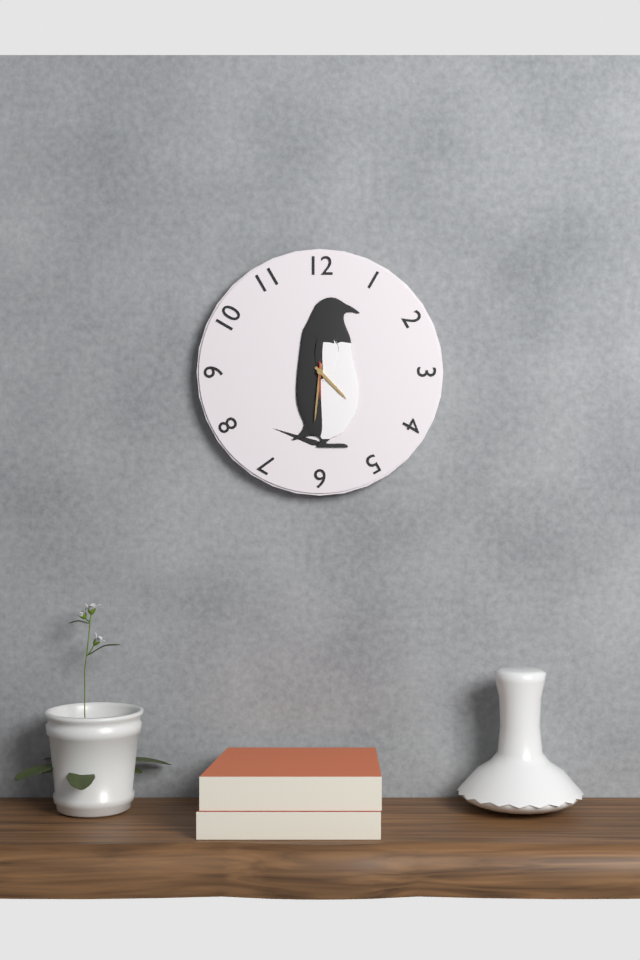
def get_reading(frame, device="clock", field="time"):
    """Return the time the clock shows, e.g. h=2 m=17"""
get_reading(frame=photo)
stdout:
h=4 m=31
